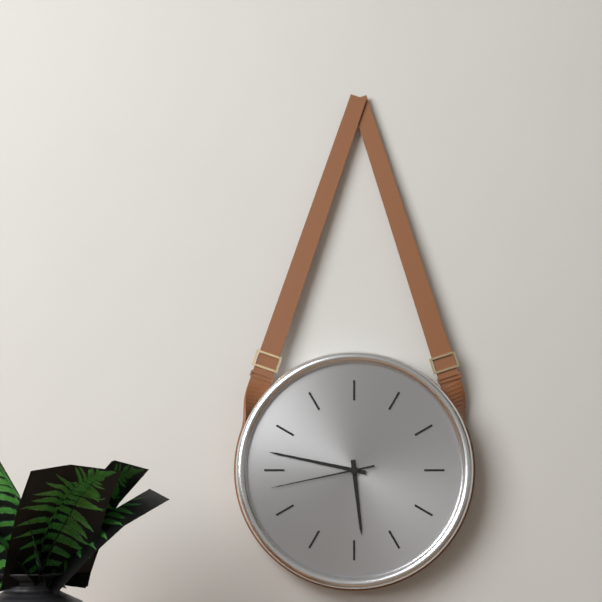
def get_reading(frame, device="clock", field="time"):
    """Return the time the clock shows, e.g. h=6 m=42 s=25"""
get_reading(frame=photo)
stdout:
h=5 m=47 s=43
